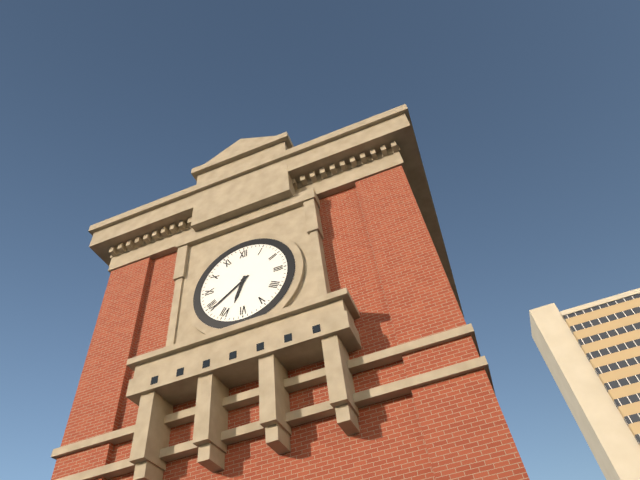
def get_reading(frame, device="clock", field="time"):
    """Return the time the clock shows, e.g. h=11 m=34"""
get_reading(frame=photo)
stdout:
h=6 m=39
